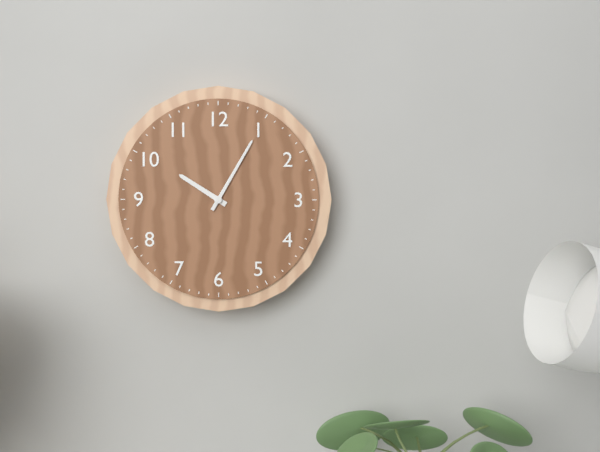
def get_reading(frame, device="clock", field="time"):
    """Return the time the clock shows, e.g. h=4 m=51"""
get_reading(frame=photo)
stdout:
h=10 m=5
